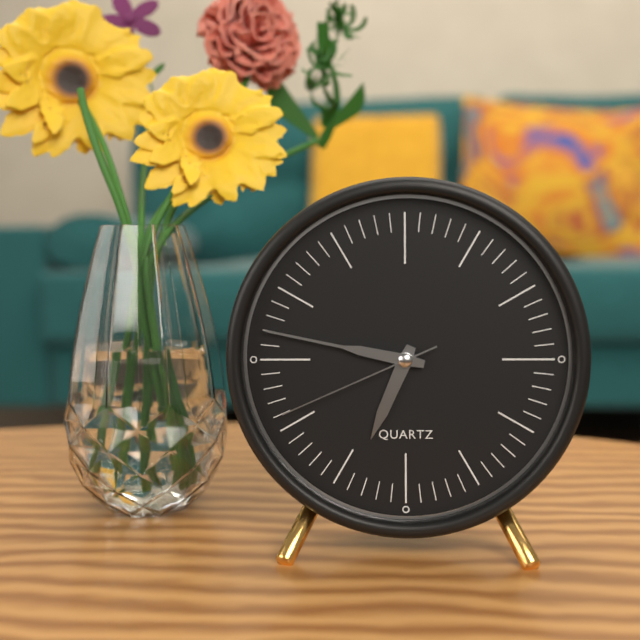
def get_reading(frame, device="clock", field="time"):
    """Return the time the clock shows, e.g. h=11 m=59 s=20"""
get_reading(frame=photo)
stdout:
h=6 m=47 s=41
